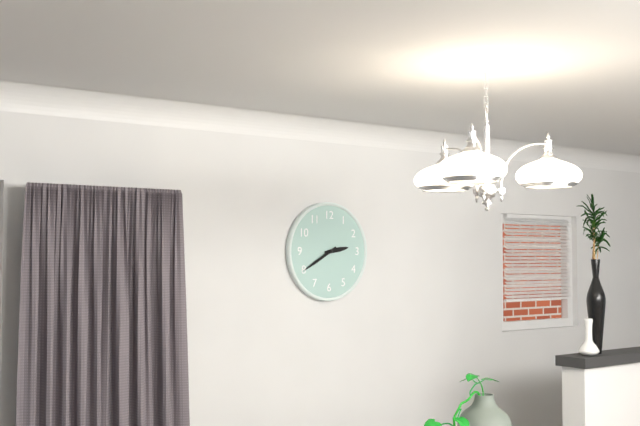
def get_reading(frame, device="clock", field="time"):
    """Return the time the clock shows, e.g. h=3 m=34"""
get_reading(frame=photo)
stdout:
h=2 m=40
